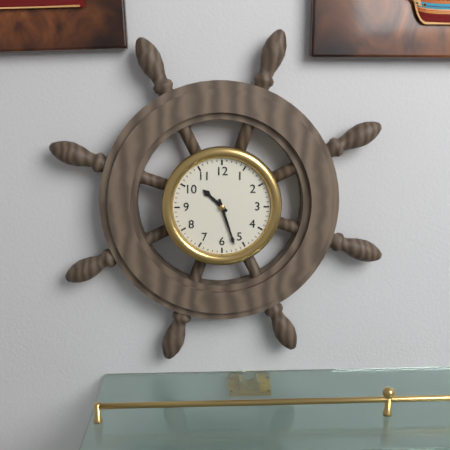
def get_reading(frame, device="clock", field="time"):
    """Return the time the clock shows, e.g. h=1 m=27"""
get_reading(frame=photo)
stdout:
h=10 m=27
